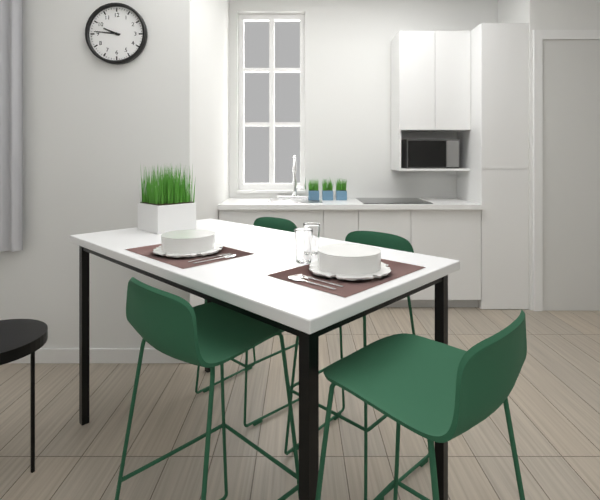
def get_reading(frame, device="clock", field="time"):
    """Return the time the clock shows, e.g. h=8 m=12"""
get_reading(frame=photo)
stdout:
h=9 m=46
